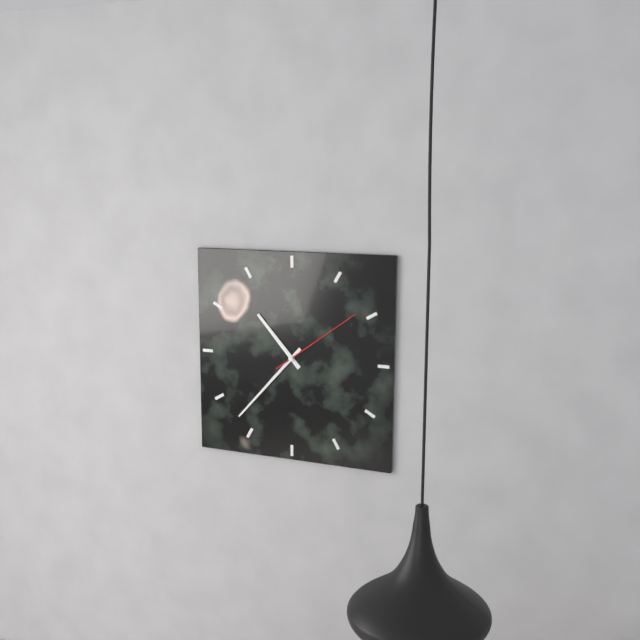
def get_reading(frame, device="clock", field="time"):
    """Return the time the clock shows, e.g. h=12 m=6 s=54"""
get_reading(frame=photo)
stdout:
h=10 m=37 s=9
